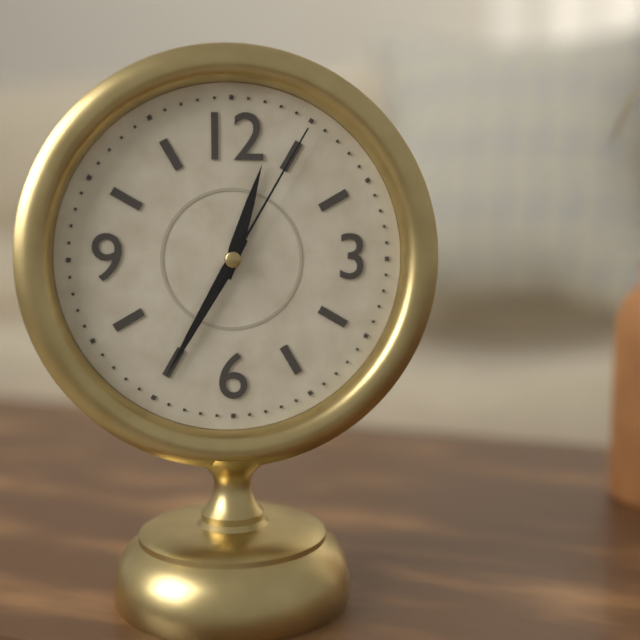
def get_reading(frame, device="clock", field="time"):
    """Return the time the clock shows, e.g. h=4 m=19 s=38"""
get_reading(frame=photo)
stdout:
h=12 m=35 s=5
